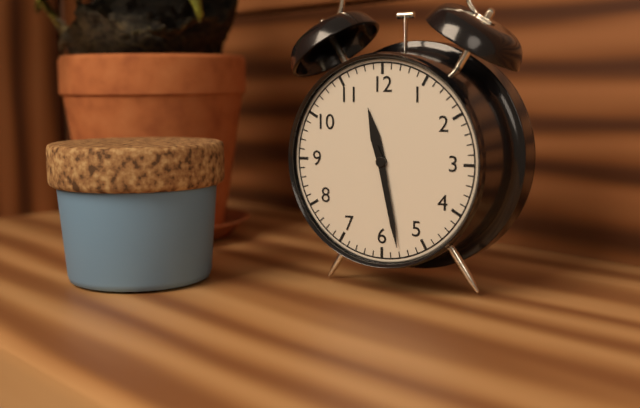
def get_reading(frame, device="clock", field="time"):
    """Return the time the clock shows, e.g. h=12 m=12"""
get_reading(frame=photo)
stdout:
h=11 m=28
